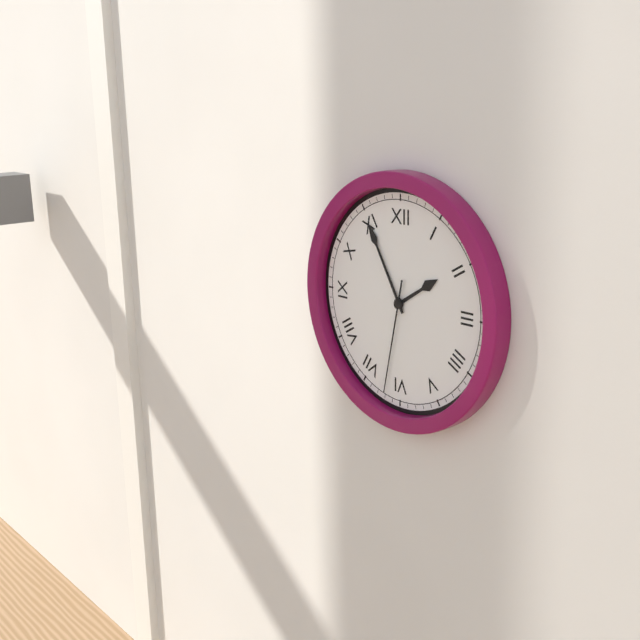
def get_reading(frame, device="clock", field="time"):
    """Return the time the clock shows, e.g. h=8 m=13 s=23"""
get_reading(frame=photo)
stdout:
h=1 m=55 s=32
